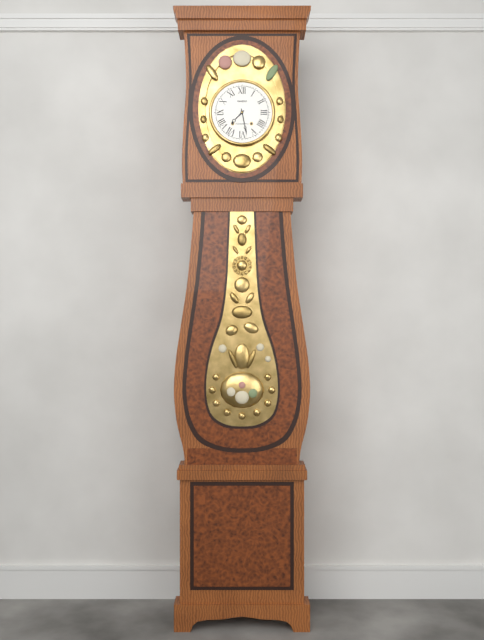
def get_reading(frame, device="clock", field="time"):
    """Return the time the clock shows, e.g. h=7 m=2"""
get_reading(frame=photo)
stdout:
h=7 m=28
